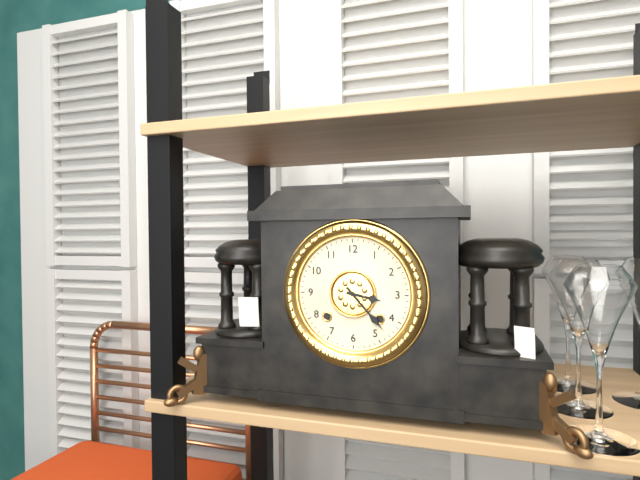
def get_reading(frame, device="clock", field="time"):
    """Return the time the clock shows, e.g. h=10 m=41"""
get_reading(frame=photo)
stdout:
h=3 m=23
